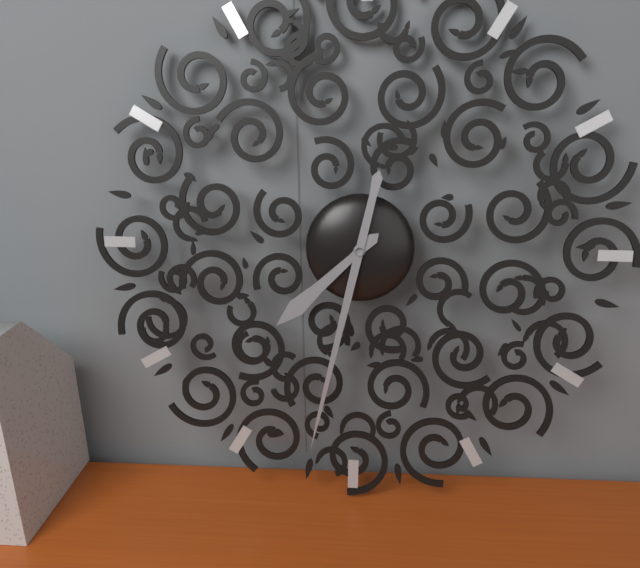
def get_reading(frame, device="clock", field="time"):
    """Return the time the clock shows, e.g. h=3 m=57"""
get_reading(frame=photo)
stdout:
h=7 m=32
